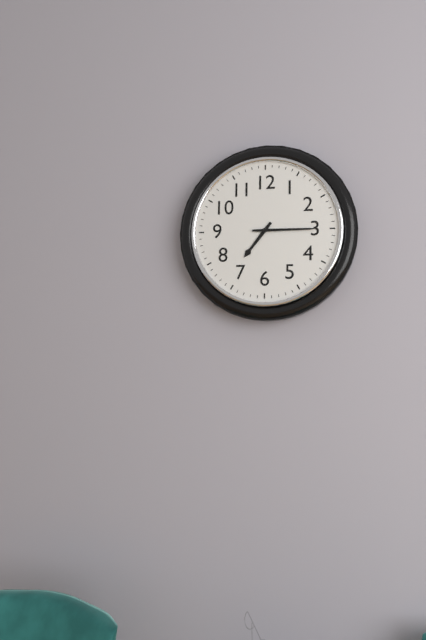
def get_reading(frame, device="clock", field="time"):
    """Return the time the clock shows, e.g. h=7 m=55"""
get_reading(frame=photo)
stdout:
h=7 m=15
